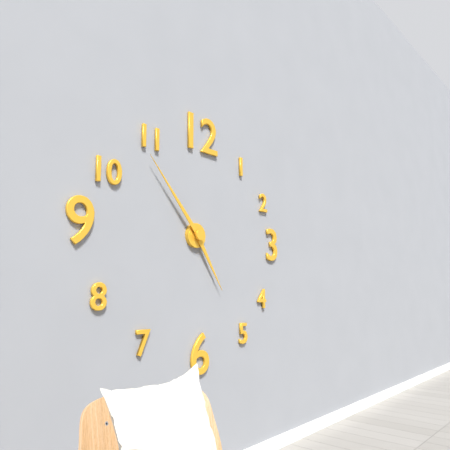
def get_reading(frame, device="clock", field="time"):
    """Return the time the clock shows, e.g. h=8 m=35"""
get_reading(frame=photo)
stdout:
h=4 m=53
